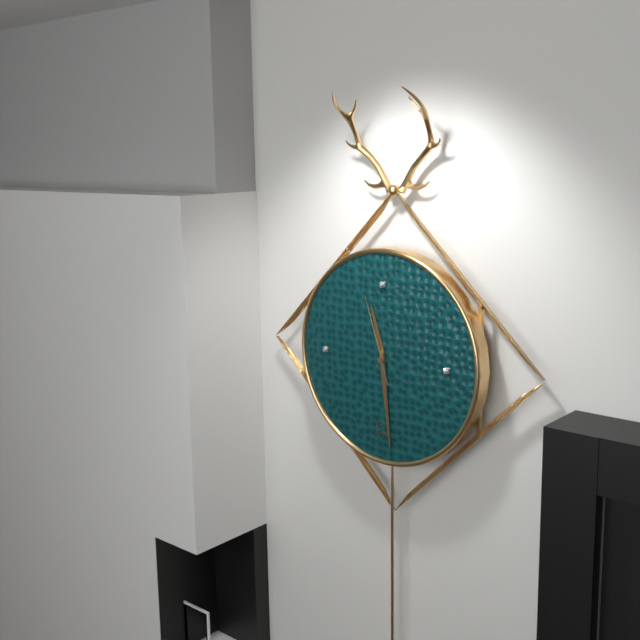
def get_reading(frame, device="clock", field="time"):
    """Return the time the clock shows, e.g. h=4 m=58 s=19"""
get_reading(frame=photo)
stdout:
h=11 m=29 s=57
